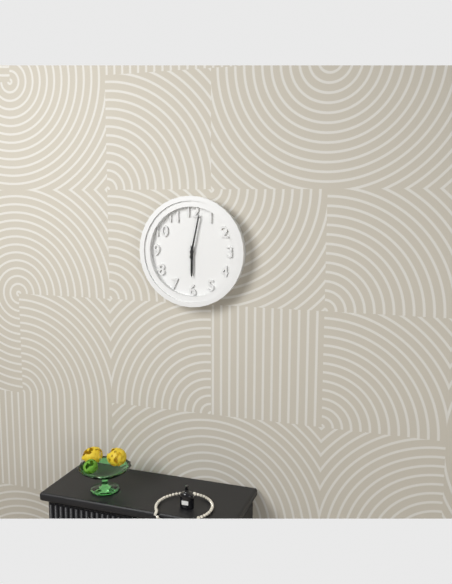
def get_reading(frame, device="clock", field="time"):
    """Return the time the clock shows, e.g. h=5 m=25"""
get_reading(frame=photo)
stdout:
h=6 m=2
